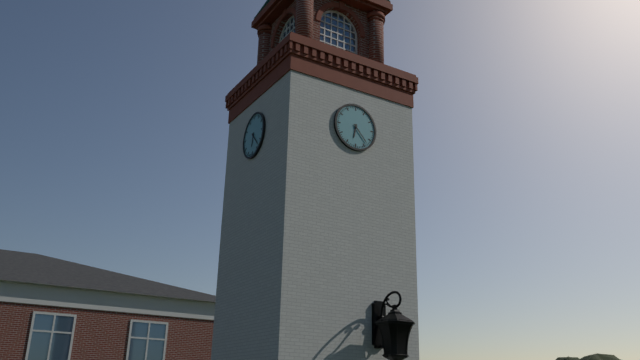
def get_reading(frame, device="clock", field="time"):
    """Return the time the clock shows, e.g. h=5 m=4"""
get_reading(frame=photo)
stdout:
h=6 m=23
